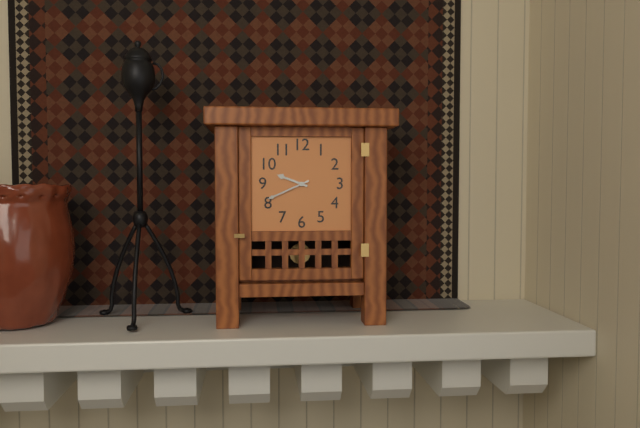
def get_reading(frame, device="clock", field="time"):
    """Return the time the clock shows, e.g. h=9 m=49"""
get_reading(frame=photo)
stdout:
h=9 m=41
